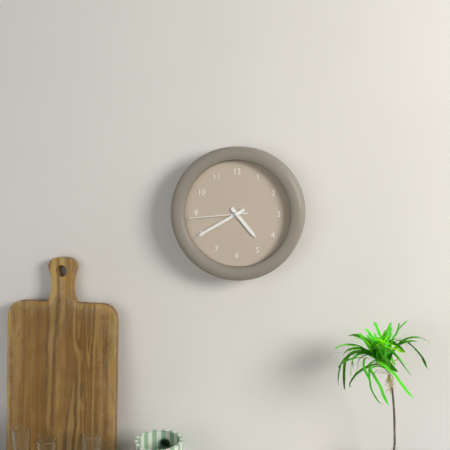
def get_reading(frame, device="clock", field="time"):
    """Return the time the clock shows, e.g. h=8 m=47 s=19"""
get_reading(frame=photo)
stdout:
h=4 m=40 s=44
